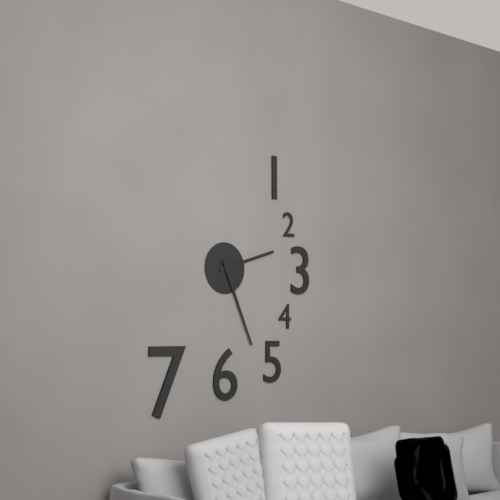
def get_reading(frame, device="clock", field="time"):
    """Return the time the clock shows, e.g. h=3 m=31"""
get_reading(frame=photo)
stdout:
h=2 m=26
